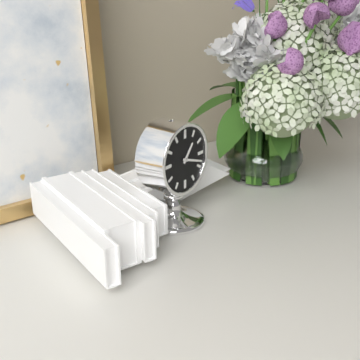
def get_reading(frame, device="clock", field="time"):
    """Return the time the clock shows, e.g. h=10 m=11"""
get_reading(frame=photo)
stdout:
h=1 m=18
